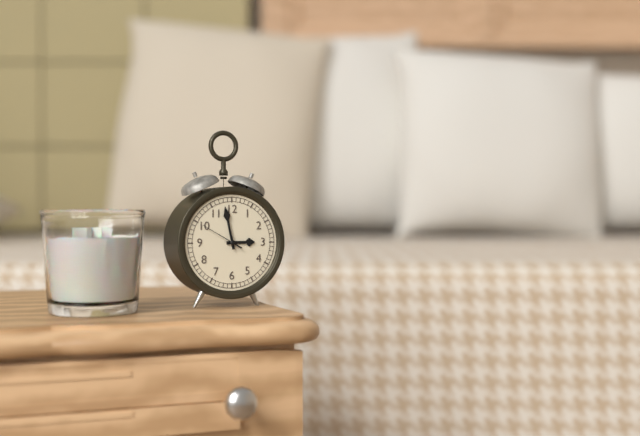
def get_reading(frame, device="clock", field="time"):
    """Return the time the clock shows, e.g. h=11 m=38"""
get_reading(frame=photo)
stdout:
h=2 m=58
